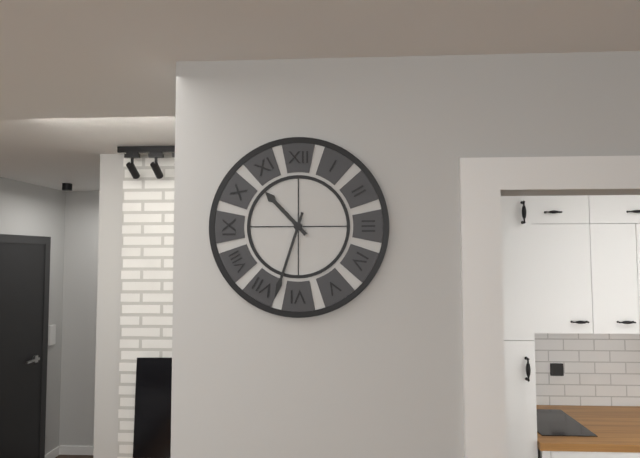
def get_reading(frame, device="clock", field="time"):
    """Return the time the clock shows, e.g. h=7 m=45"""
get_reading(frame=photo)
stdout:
h=10 m=33
